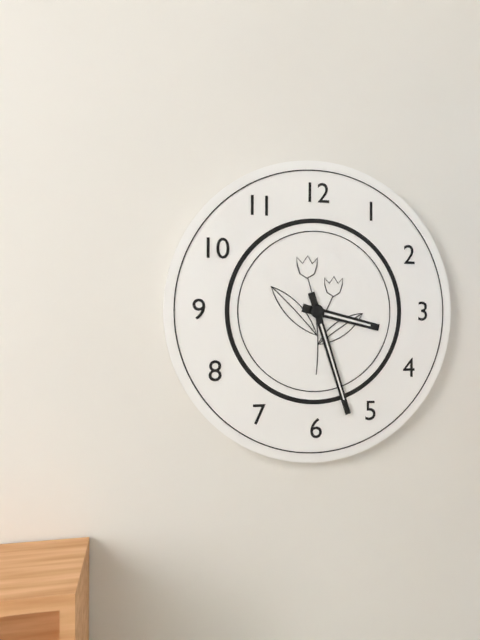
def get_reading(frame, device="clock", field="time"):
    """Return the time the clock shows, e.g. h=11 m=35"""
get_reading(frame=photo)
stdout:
h=3 m=27
